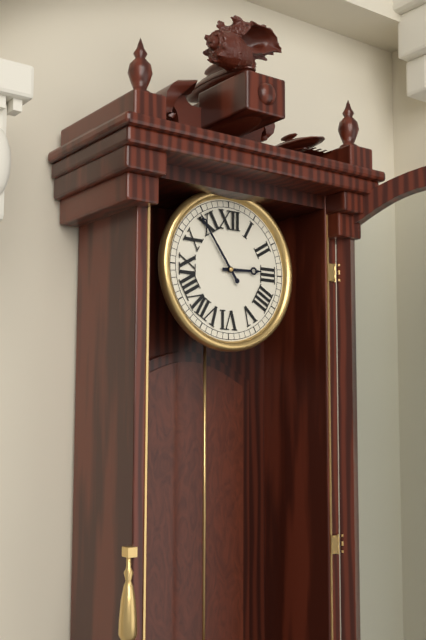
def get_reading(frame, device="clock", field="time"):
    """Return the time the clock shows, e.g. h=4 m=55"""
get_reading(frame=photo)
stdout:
h=2 m=54
